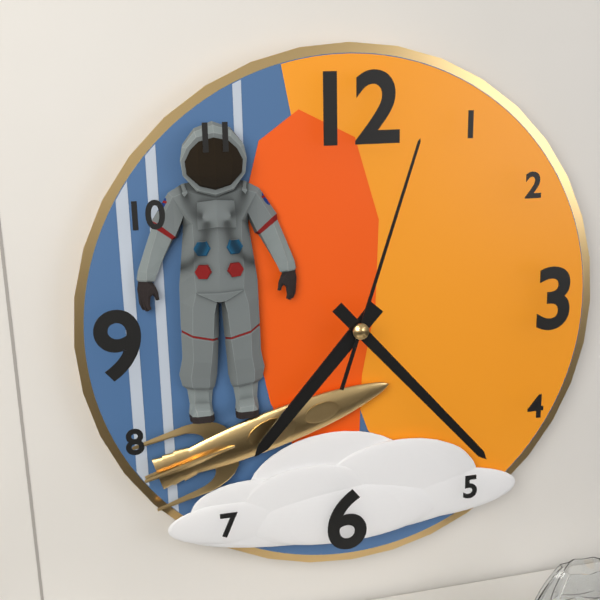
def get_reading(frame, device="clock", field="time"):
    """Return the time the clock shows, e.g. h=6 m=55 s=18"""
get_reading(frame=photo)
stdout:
h=7 m=23 s=3
